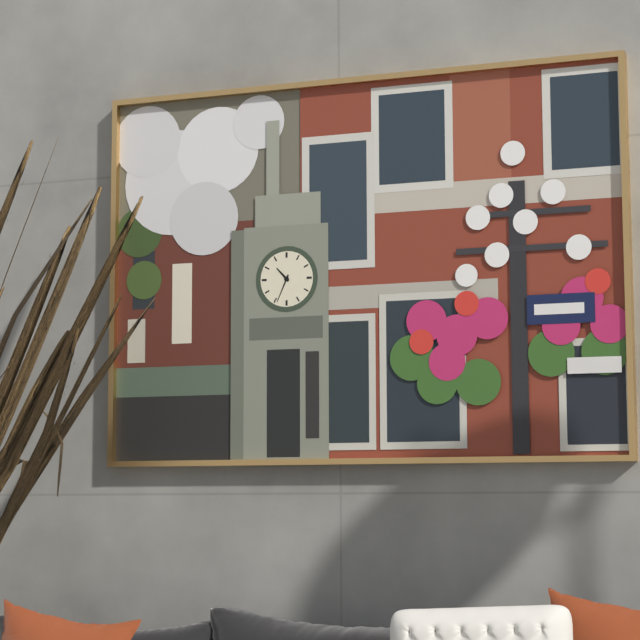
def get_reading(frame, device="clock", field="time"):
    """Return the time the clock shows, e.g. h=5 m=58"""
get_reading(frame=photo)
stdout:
h=10 m=34
